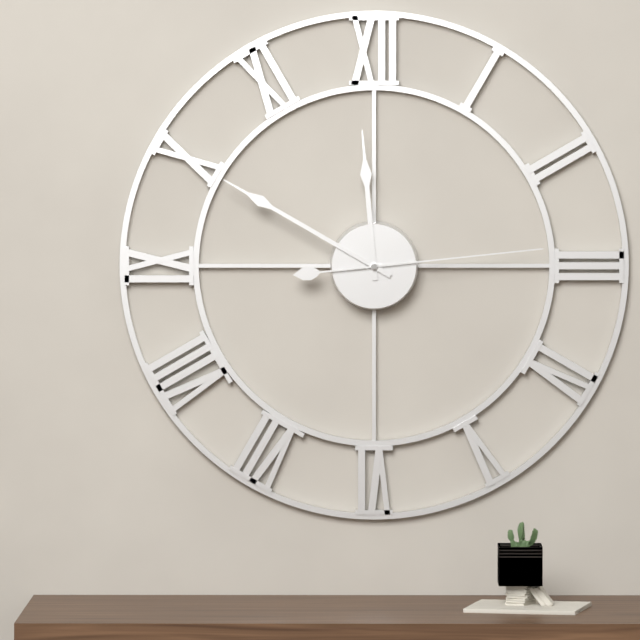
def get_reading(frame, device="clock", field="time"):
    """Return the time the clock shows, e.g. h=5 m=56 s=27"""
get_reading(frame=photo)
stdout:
h=11 m=50 s=14
